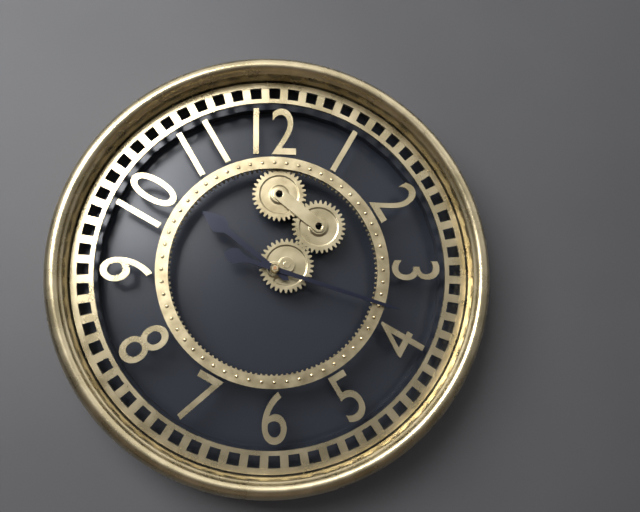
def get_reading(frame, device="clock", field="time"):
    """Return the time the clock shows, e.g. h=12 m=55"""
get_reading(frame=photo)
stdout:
h=10 m=18
